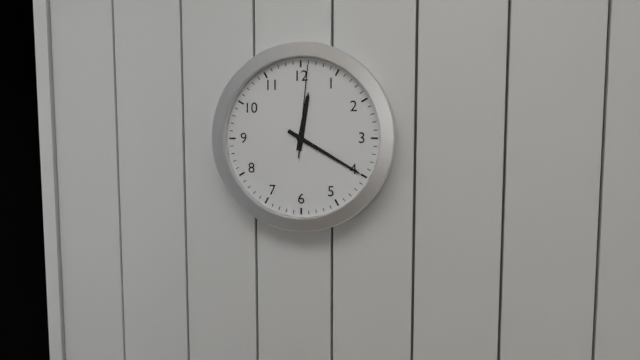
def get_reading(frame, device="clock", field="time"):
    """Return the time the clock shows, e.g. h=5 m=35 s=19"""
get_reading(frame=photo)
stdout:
h=12 m=20 s=1
